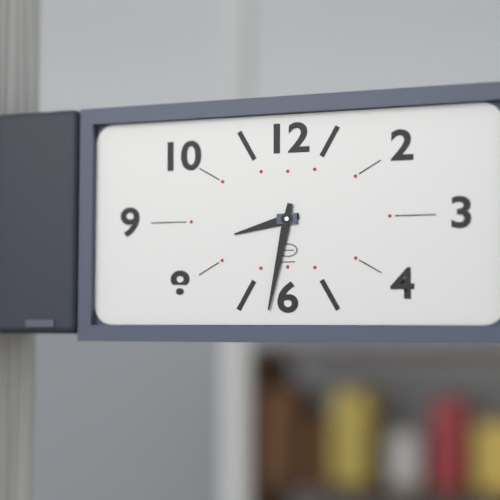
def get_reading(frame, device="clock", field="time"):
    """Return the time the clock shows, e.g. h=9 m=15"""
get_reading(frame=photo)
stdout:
h=8 m=32
